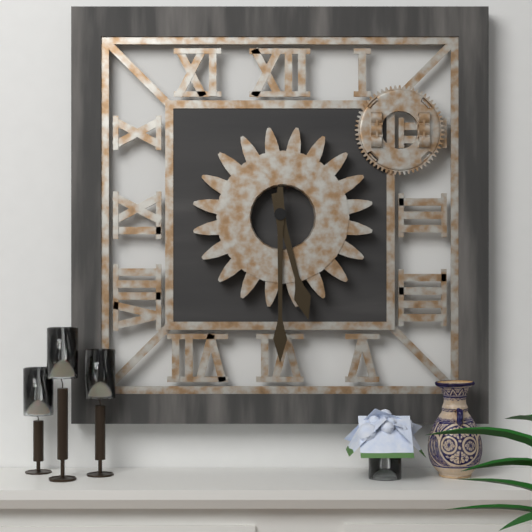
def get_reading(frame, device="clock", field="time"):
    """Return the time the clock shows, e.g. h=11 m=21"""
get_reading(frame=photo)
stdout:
h=5 m=30
